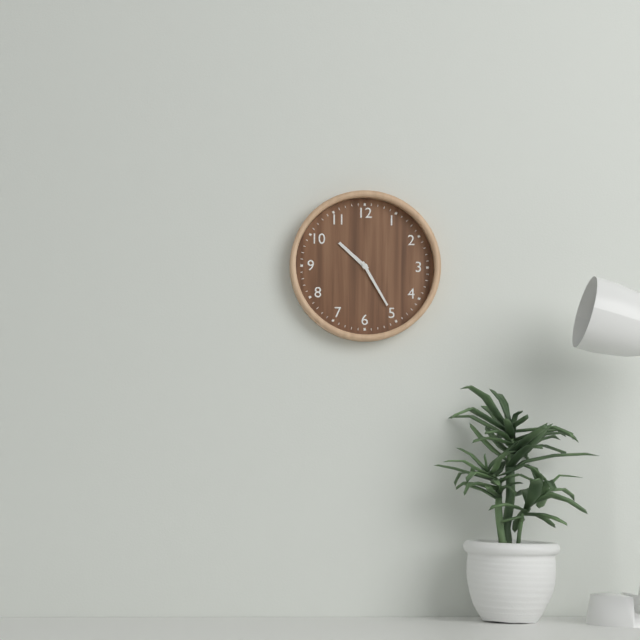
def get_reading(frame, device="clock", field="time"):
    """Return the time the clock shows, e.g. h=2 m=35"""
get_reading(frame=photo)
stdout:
h=10 m=25
